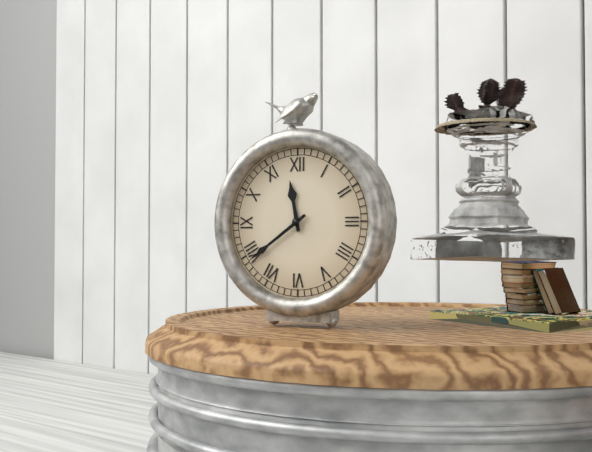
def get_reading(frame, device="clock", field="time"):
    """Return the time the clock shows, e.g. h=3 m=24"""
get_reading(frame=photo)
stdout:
h=11 m=39
